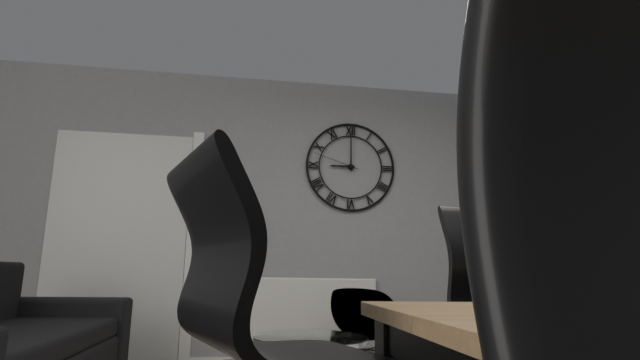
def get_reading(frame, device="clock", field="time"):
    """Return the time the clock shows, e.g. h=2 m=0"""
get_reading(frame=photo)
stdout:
h=9 m=0
